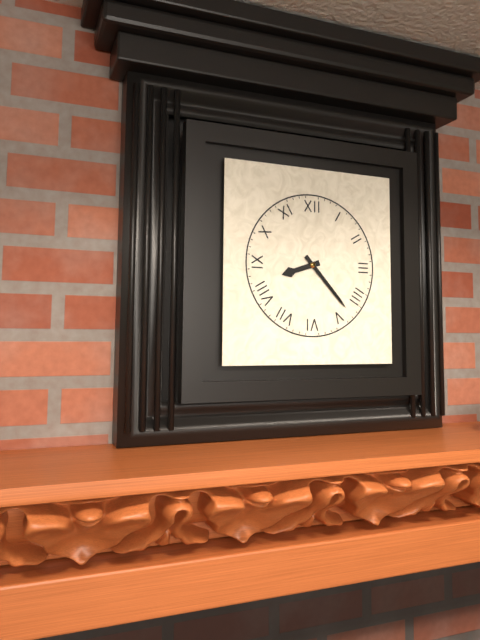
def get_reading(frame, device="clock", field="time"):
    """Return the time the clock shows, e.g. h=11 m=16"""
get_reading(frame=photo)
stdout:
h=8 m=23
